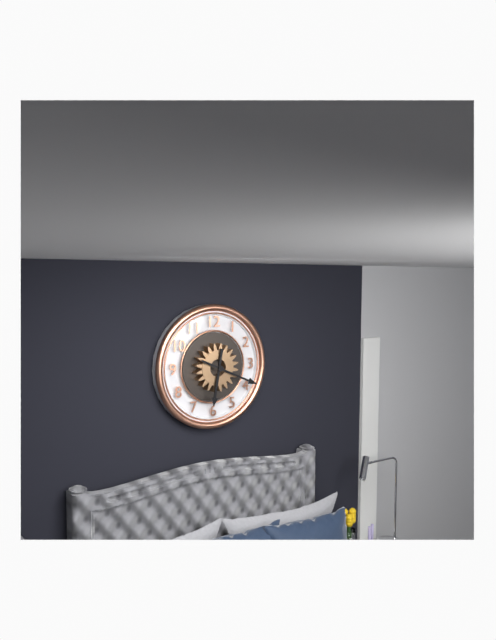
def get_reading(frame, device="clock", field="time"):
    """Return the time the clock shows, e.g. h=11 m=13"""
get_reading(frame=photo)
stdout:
h=6 m=19
